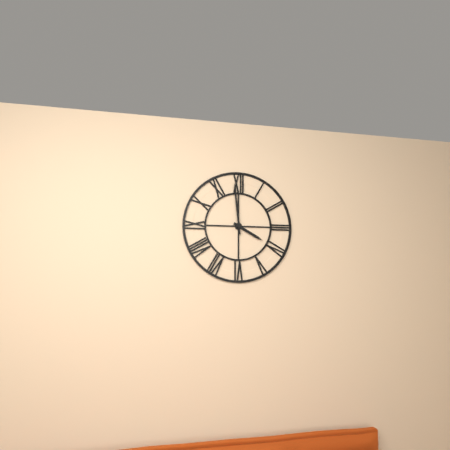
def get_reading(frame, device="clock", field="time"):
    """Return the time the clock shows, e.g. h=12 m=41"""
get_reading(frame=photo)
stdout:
h=3 m=59
